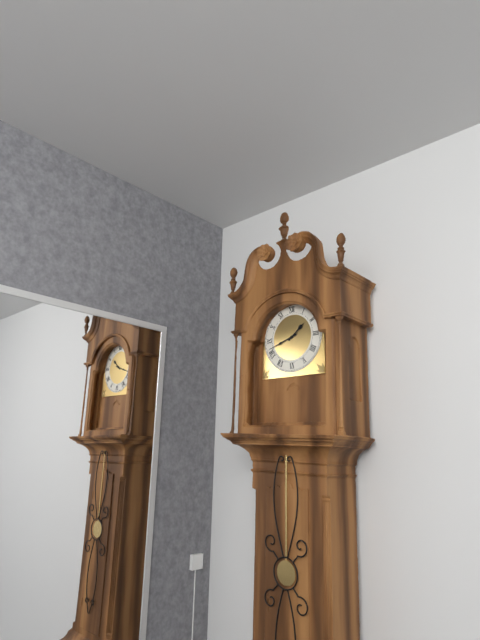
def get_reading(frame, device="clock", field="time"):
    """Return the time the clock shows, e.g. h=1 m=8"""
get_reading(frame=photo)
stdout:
h=1 m=42
